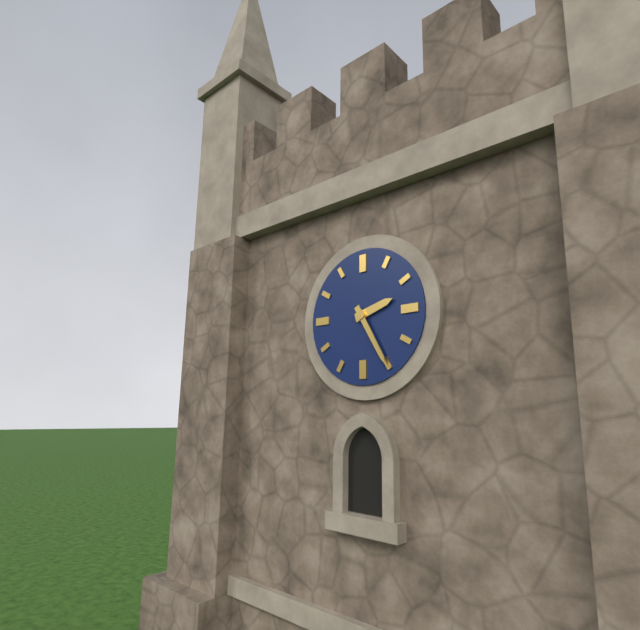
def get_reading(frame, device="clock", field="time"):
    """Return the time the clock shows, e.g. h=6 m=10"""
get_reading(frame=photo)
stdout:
h=2 m=25
